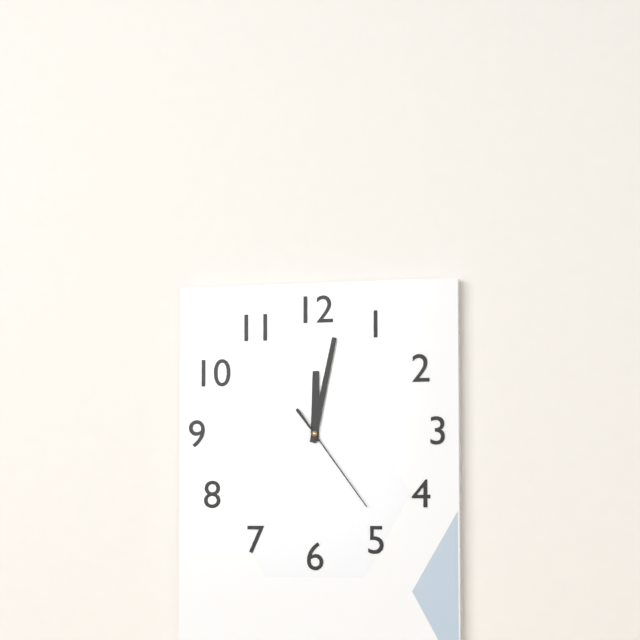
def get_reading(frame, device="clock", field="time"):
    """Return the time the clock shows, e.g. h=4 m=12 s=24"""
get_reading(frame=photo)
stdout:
h=12 m=2 s=24
